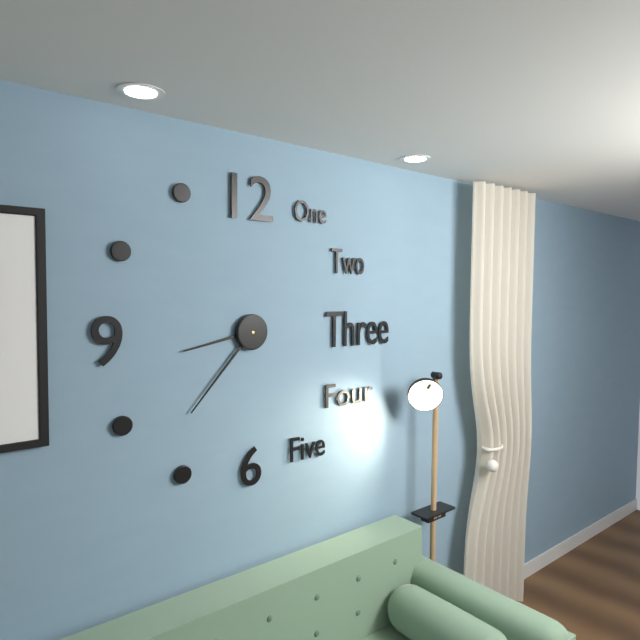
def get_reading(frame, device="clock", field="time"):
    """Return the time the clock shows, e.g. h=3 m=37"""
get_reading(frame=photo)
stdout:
h=8 m=37
